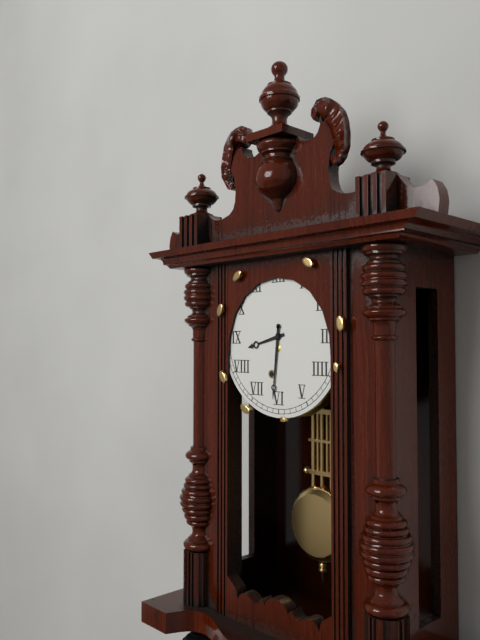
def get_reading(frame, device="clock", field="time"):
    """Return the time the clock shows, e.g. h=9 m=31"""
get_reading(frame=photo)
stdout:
h=8 m=31
